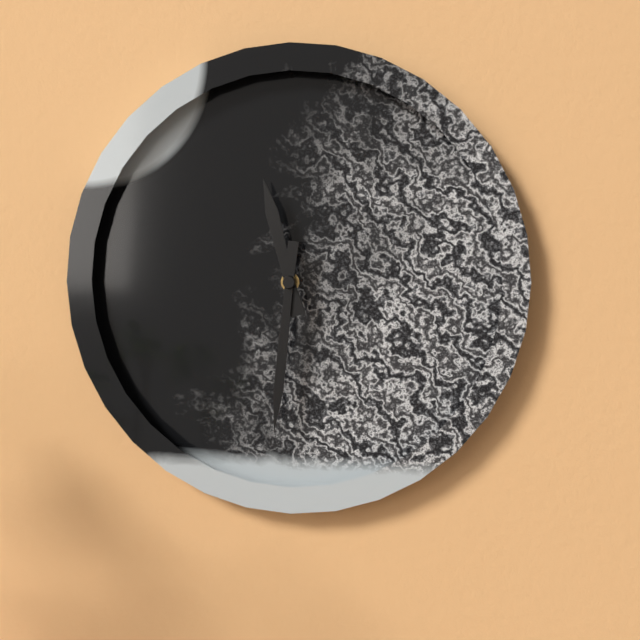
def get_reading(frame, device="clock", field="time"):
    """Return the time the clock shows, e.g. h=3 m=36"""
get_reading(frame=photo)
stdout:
h=11 m=31
